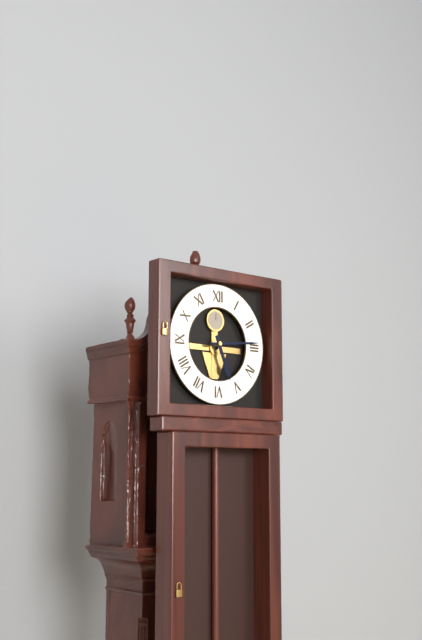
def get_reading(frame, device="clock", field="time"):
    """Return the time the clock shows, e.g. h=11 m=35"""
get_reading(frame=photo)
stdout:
h=5 m=14
